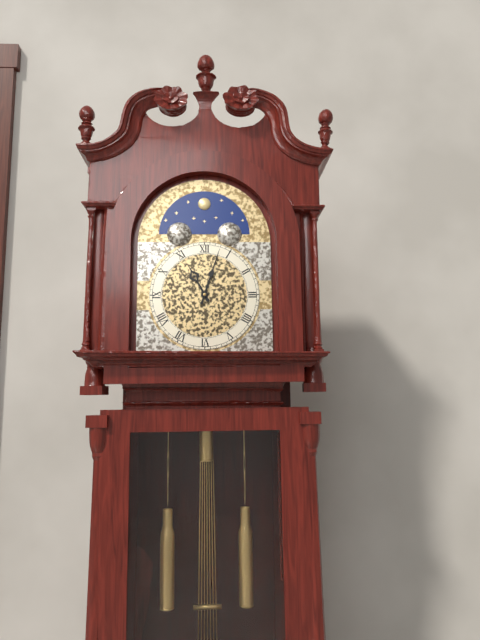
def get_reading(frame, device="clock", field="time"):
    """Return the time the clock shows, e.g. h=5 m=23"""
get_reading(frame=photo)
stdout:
h=11 m=3
